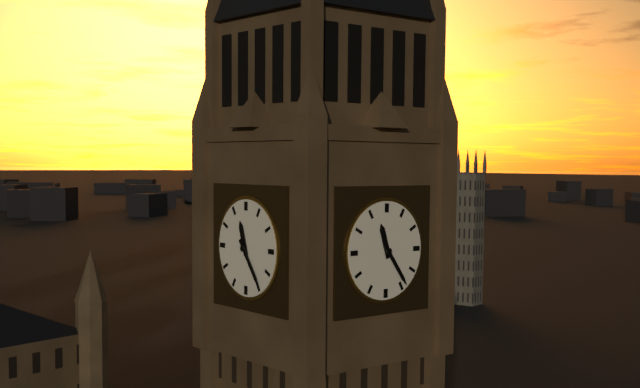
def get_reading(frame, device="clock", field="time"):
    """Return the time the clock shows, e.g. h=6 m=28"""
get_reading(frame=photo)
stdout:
h=11 m=24
